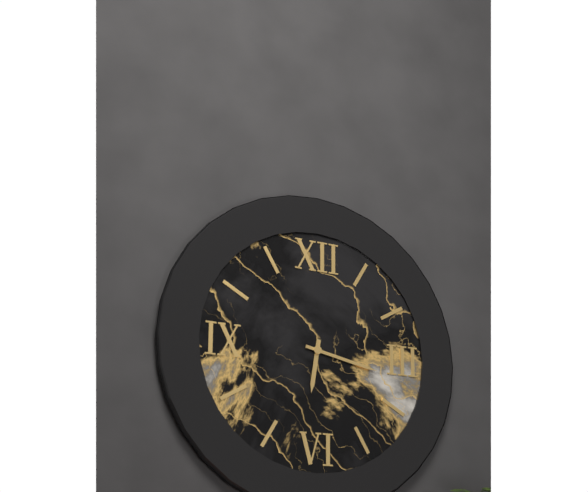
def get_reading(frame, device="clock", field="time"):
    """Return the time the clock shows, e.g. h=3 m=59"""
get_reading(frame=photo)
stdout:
h=6 m=17
